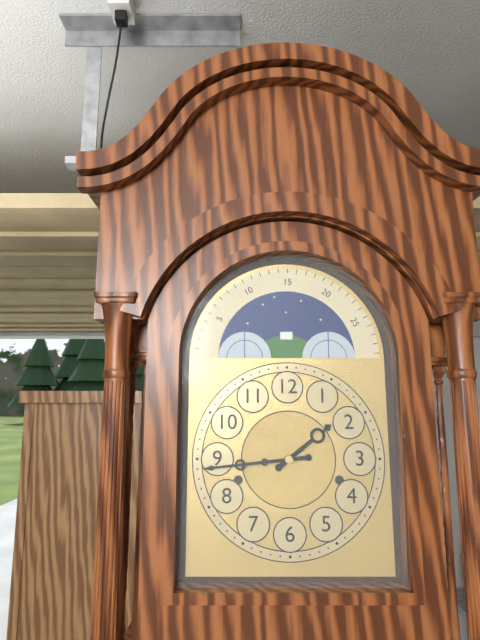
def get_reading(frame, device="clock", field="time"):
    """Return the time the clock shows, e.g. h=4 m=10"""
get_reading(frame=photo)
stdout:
h=1 m=44
